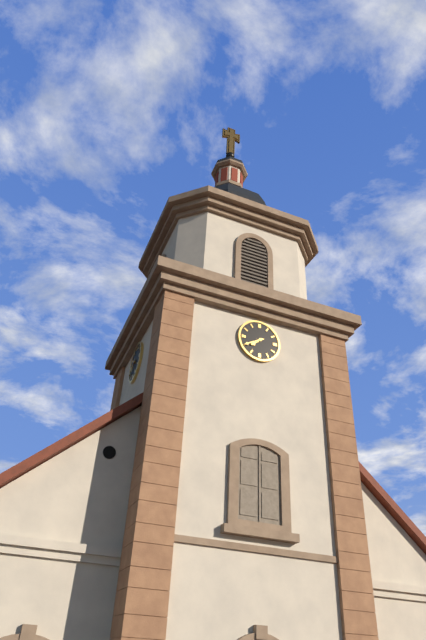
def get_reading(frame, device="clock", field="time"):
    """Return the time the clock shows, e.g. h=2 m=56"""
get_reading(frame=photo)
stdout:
h=7 m=40
